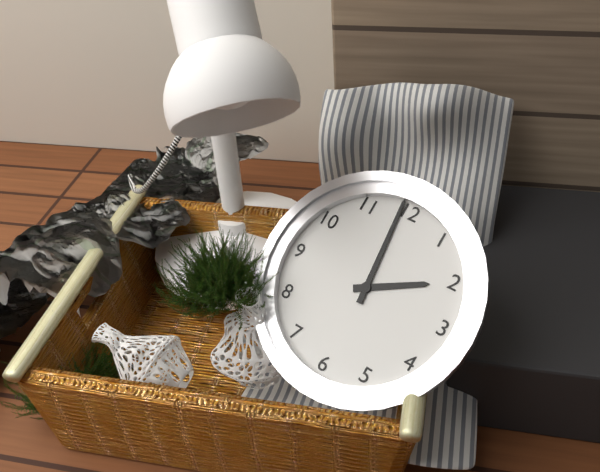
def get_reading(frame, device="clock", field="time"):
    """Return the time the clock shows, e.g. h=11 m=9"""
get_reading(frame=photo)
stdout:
h=1 m=59
